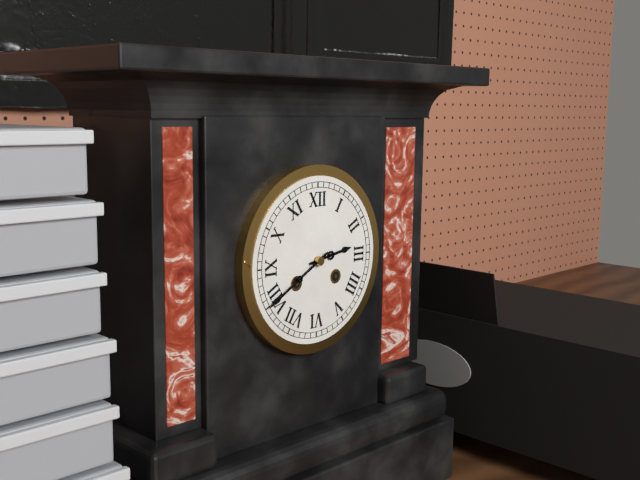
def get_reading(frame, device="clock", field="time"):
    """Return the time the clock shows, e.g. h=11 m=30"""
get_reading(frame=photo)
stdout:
h=2 m=40
